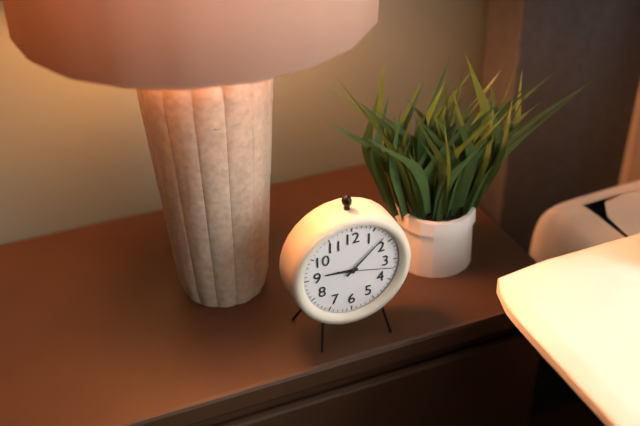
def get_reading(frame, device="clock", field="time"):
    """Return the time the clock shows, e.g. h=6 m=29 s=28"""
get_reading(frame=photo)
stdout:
h=9 m=8 s=17
